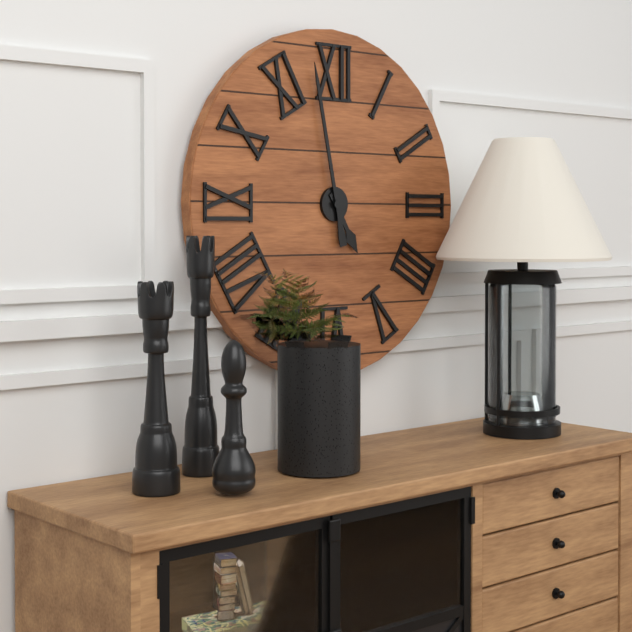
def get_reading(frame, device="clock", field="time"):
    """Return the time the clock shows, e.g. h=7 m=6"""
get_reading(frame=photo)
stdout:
h=4 m=58
